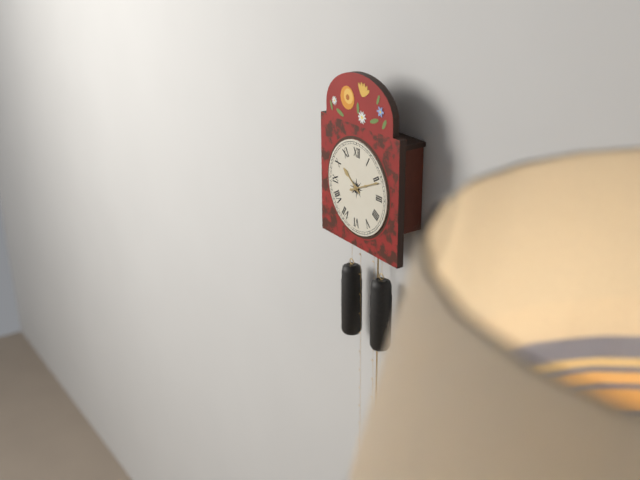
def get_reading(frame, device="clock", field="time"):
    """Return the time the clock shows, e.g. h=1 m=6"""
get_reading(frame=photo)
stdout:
h=10 m=11
